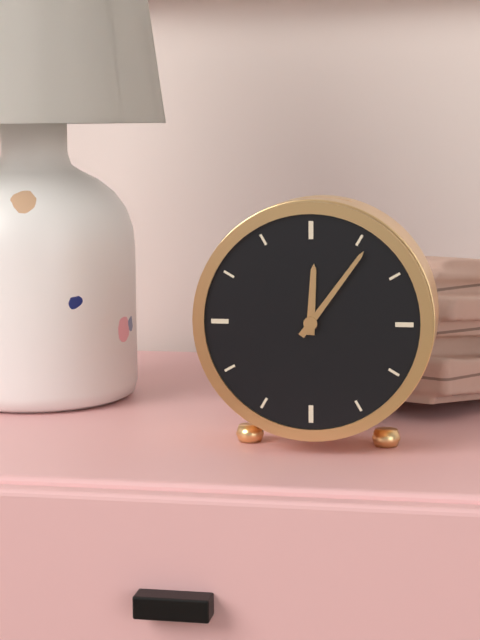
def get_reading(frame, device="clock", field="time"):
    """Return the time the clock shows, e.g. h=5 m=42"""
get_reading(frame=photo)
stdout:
h=12 m=6
